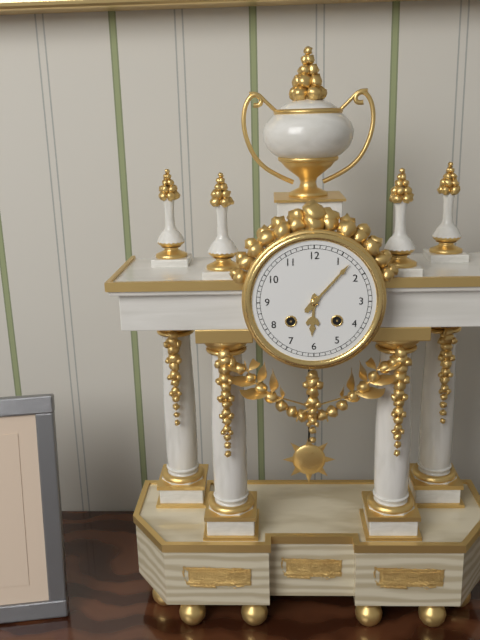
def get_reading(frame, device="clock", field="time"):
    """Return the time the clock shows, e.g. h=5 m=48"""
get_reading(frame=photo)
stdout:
h=6 m=7
